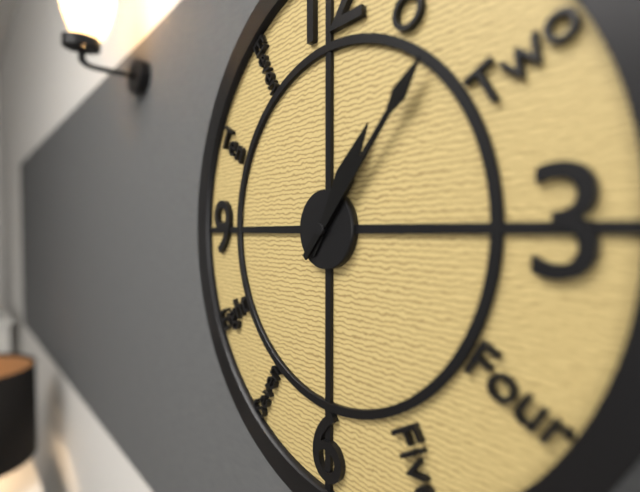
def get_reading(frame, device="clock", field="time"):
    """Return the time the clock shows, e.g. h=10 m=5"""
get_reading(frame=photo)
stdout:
h=1 m=7
